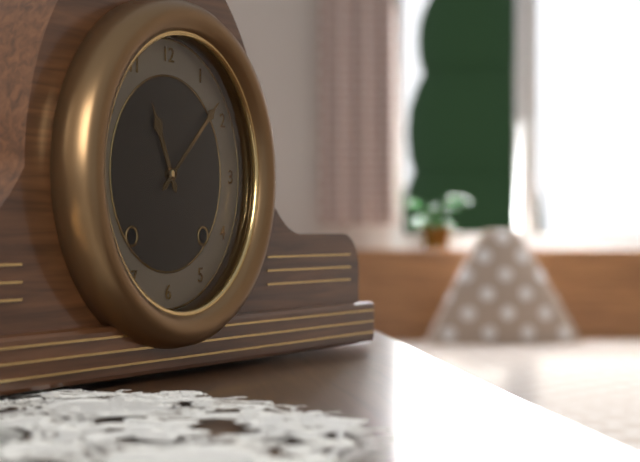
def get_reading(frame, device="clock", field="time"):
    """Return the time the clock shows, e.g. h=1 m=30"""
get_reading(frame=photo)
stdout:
h=11 m=8
